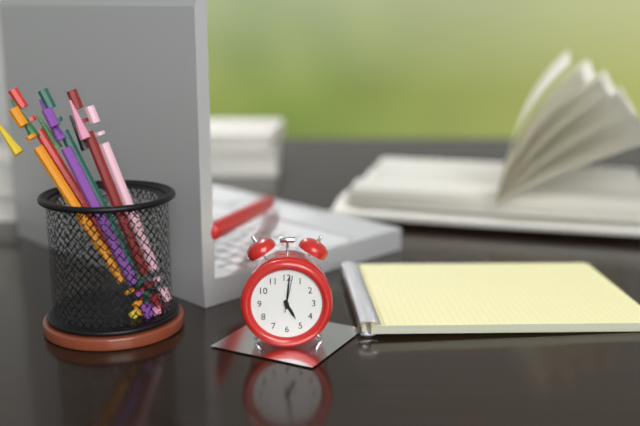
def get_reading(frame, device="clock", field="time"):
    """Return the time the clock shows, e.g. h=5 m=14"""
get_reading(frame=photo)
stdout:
h=5 m=1
